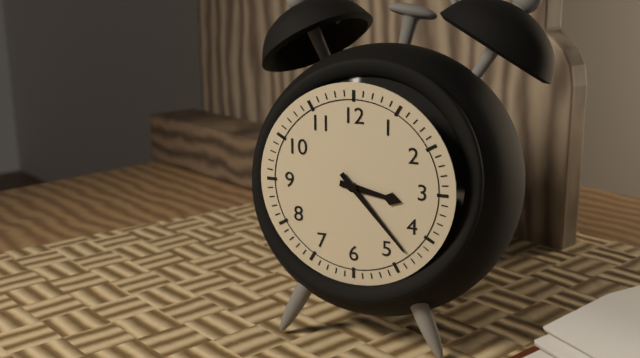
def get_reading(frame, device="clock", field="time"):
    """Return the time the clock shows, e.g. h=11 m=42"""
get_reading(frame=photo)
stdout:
h=3 m=23
